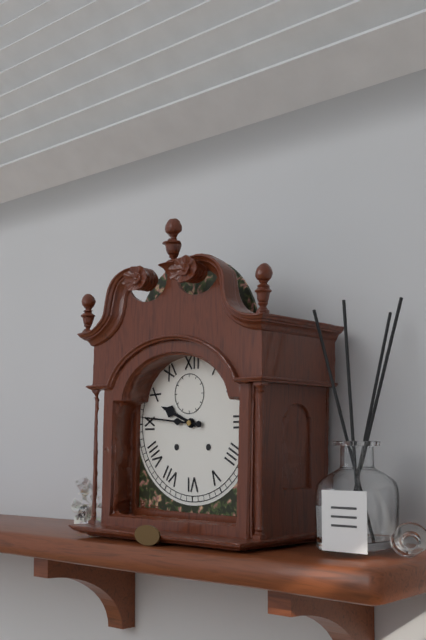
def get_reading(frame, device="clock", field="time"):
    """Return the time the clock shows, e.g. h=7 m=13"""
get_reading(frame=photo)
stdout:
h=9 m=46
